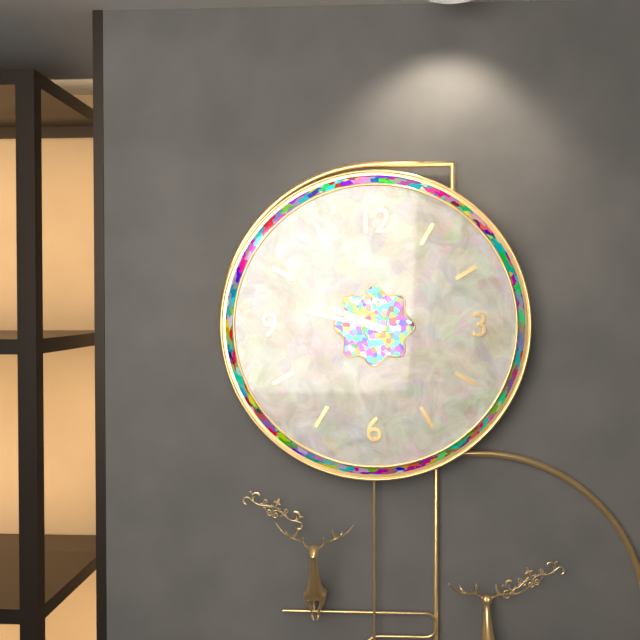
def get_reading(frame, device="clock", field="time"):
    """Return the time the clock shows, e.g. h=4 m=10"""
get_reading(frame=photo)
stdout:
h=9 m=47
